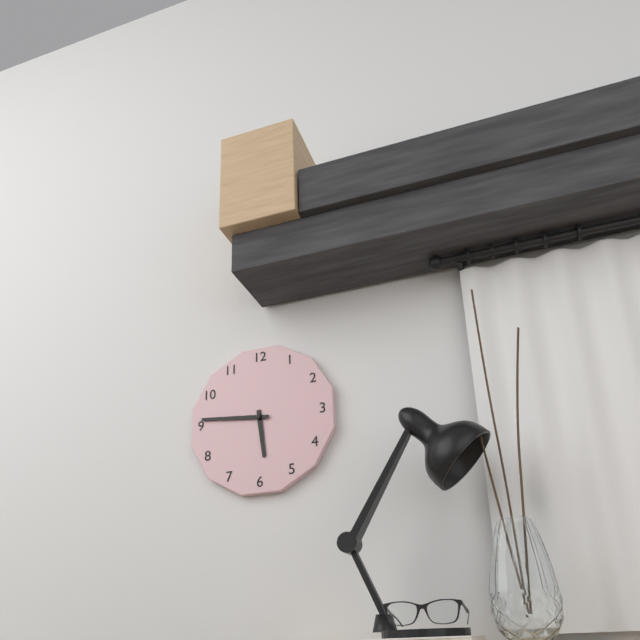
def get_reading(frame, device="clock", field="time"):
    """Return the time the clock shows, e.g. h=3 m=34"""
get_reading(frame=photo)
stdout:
h=5 m=46
